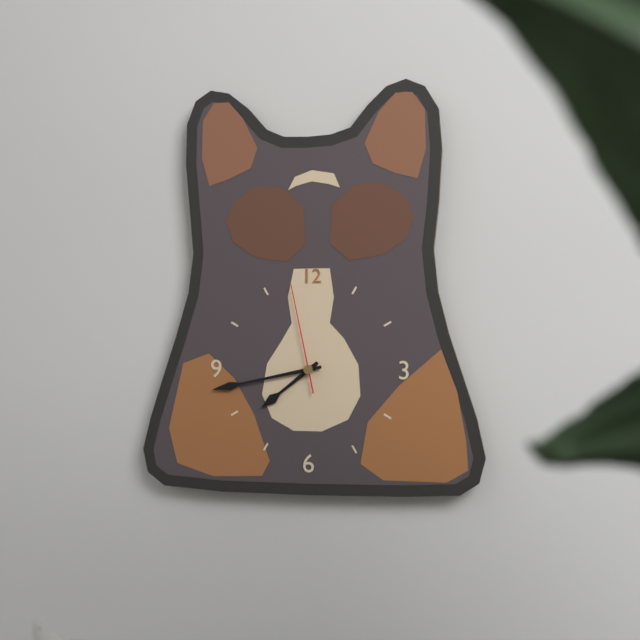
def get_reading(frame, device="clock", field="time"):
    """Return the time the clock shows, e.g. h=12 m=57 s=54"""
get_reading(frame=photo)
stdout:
h=7 m=43 s=58
